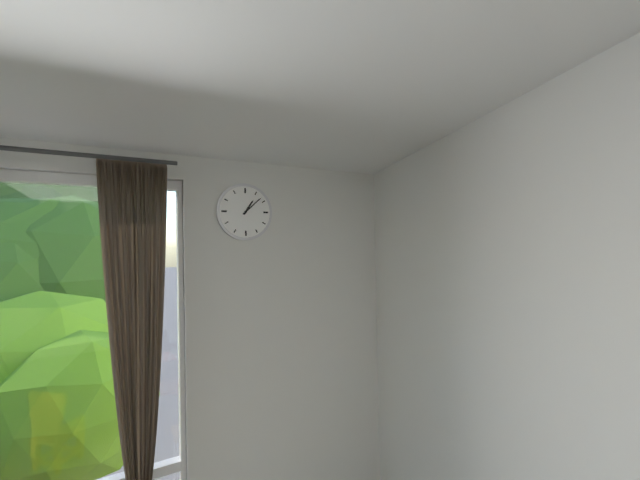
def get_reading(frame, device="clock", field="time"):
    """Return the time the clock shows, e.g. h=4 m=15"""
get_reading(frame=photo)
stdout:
h=1 m=8
